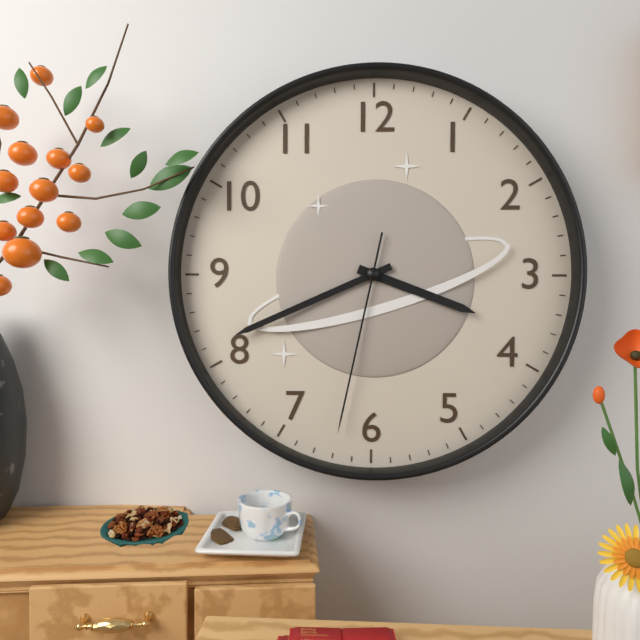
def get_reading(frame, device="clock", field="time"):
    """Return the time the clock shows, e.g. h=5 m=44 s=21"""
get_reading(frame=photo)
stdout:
h=3 m=41 s=32
